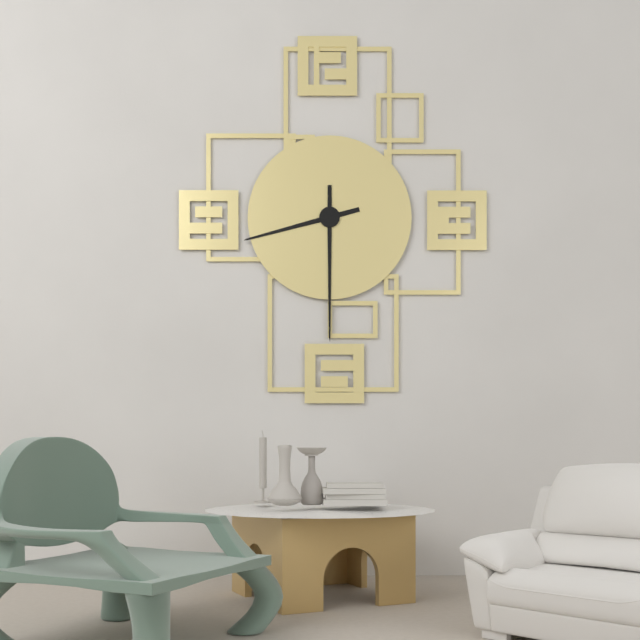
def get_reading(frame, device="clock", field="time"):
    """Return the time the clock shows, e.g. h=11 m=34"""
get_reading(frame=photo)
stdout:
h=8 m=30
